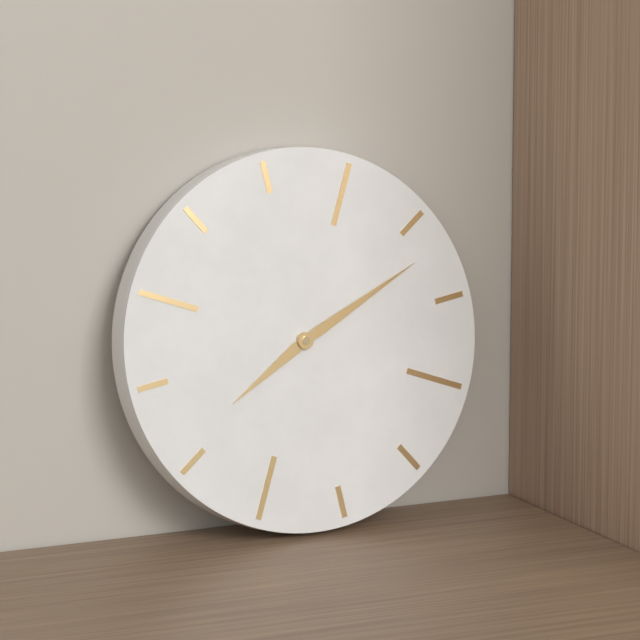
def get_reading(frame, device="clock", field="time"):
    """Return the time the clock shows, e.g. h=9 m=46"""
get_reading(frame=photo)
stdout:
h=8 m=12
